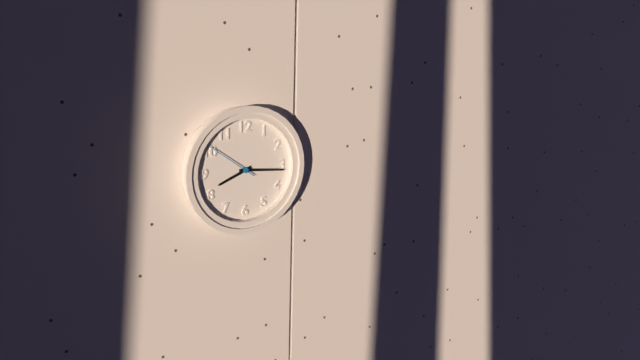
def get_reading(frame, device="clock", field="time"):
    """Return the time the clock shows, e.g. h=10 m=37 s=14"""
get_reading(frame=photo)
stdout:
h=8 m=16 s=51
